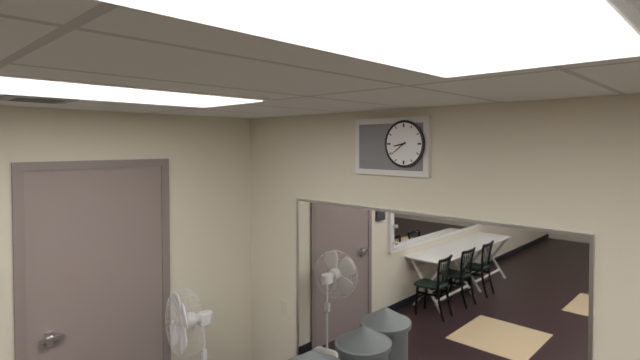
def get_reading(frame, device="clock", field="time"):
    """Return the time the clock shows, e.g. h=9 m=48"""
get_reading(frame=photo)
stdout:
h=8 m=39
